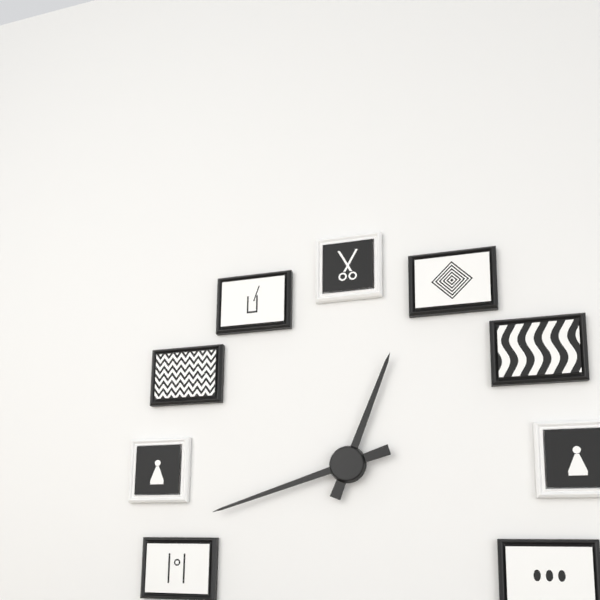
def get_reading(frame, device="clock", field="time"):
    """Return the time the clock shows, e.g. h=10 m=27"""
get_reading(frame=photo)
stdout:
h=12 m=42
